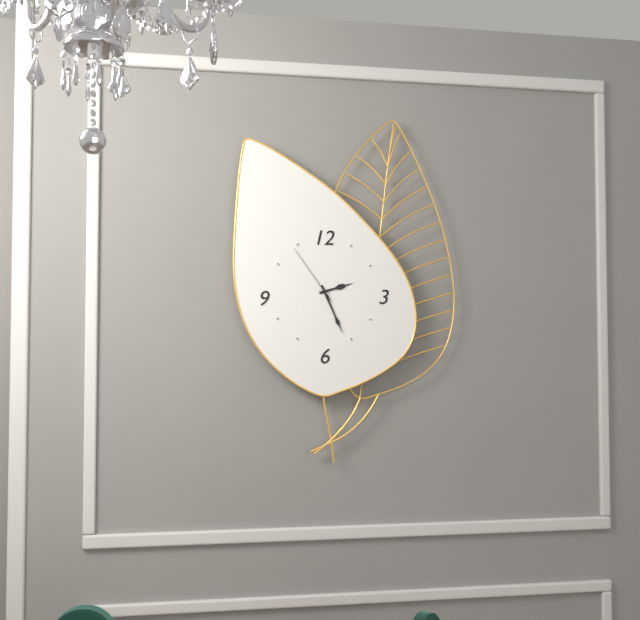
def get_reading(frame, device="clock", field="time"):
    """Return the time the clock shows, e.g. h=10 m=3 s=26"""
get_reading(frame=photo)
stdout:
h=2 m=26 s=54
